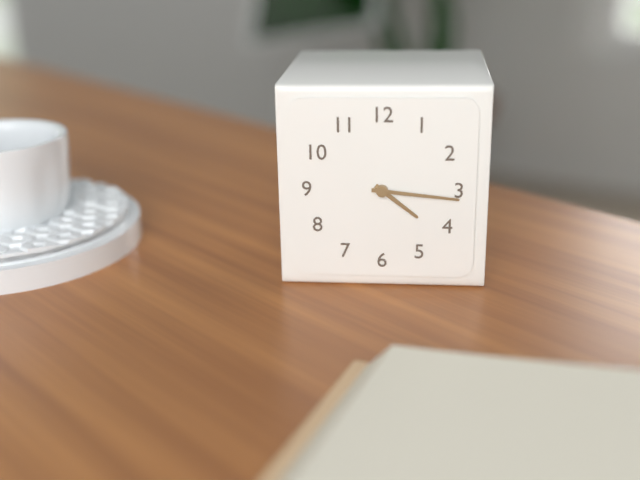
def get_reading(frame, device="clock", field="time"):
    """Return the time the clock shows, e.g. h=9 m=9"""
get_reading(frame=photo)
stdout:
h=4 m=16
